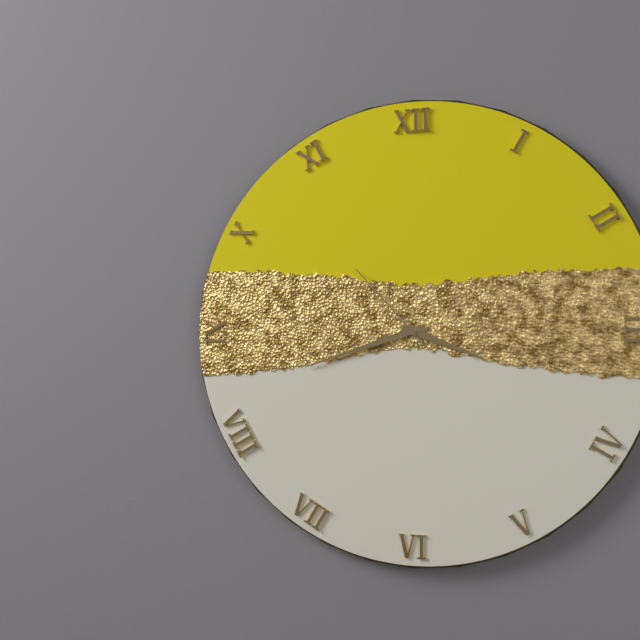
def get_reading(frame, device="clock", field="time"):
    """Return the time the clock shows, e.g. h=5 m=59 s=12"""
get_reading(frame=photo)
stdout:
h=3 m=42 s=53
